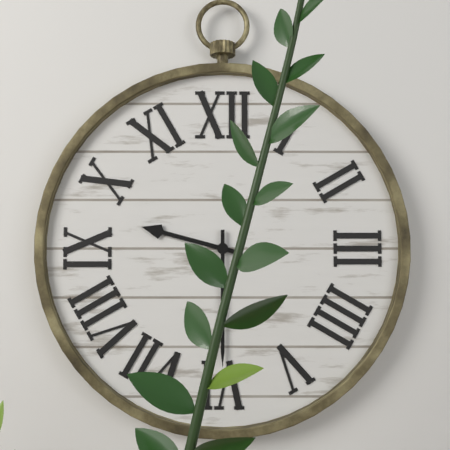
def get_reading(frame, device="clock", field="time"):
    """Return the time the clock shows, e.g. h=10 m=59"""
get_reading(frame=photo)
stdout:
h=9 m=30
